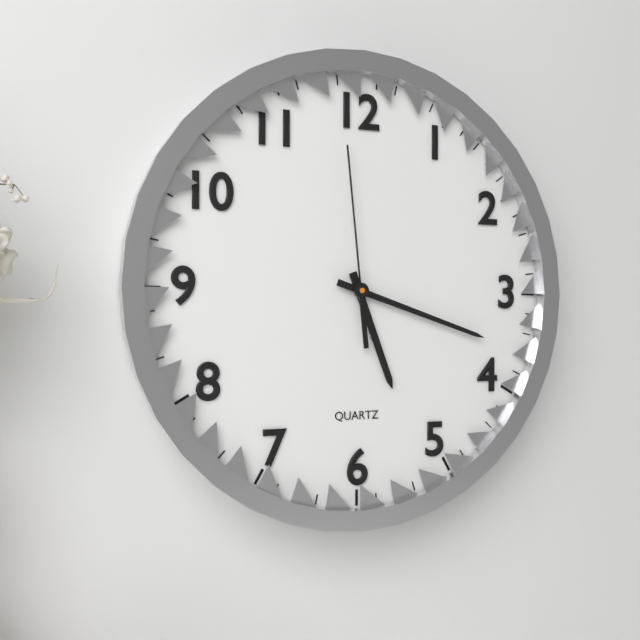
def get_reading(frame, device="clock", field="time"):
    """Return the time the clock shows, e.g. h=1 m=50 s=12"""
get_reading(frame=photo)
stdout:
h=5 m=18 s=59
